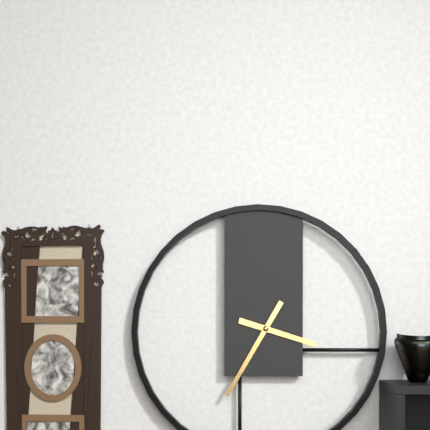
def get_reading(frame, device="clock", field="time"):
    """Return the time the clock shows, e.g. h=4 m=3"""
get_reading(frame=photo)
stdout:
h=3 m=35
